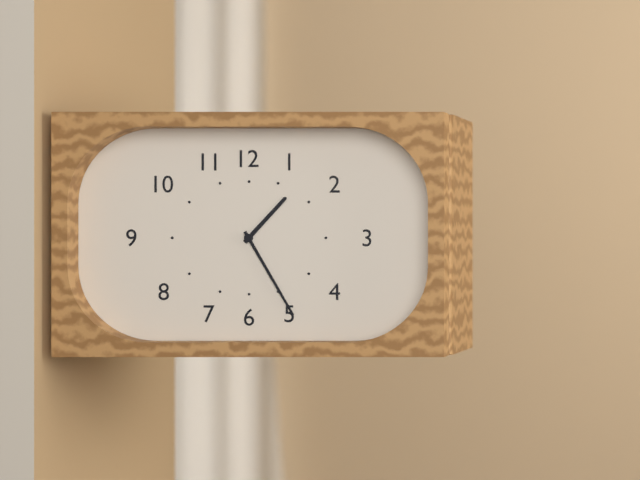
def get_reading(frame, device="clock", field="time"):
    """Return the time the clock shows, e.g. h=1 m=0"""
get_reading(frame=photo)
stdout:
h=1 m=25
